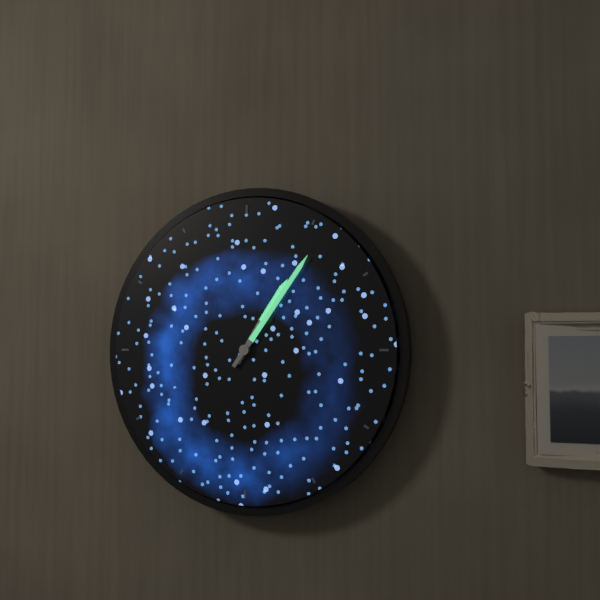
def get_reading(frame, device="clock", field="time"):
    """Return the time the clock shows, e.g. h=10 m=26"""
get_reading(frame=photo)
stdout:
h=1 m=6
